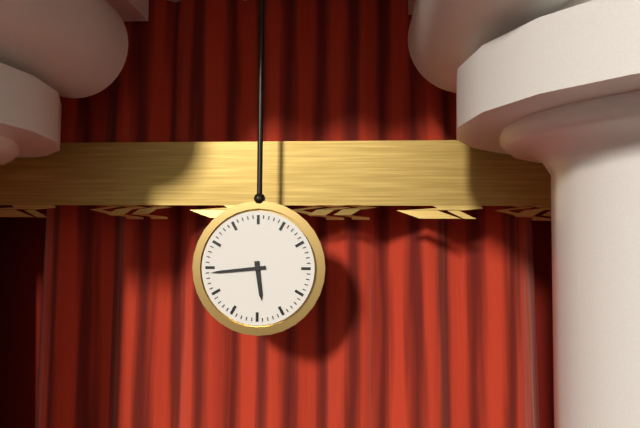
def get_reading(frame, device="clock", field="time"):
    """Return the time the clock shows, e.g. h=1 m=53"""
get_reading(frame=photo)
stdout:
h=5 m=44
